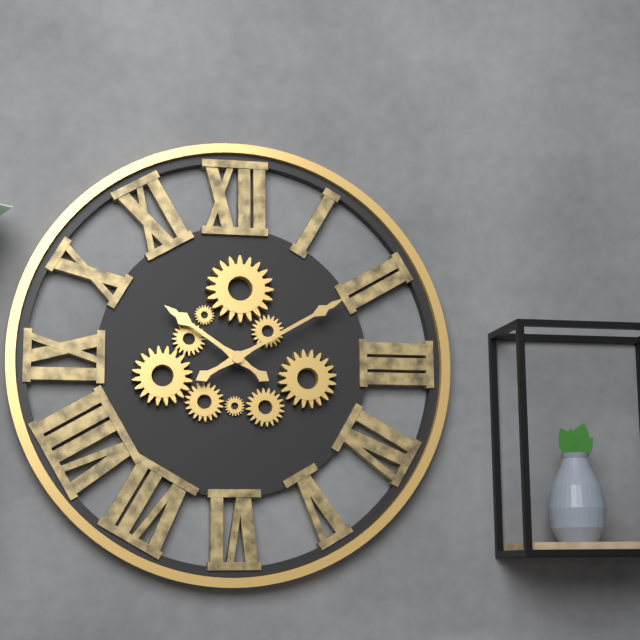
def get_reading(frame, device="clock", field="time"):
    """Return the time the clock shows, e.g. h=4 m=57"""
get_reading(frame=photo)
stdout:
h=10 m=10
